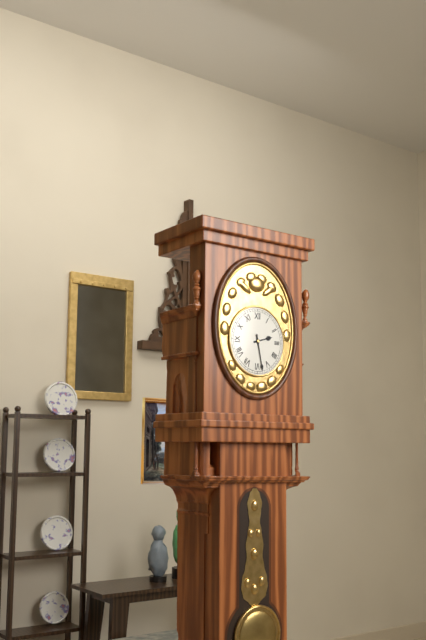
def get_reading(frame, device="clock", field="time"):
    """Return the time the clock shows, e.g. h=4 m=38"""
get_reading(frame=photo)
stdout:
h=2 m=28
